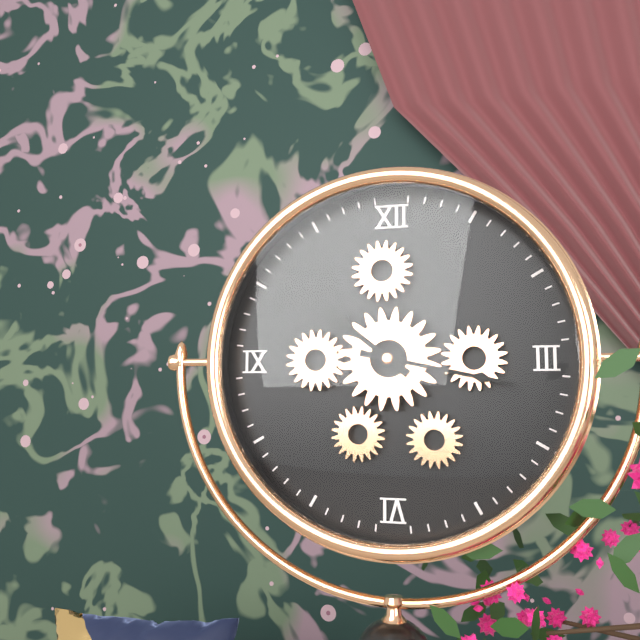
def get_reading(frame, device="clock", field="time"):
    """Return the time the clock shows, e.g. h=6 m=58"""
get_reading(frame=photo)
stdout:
h=10 m=17
